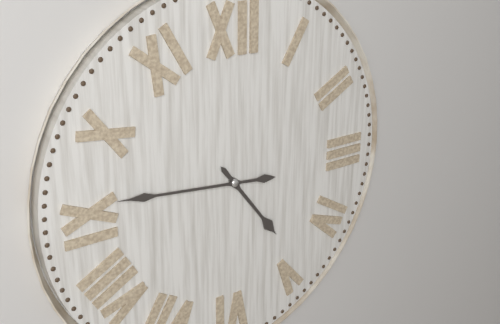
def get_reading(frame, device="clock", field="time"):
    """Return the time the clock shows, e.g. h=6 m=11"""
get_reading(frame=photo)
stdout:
h=4 m=46
